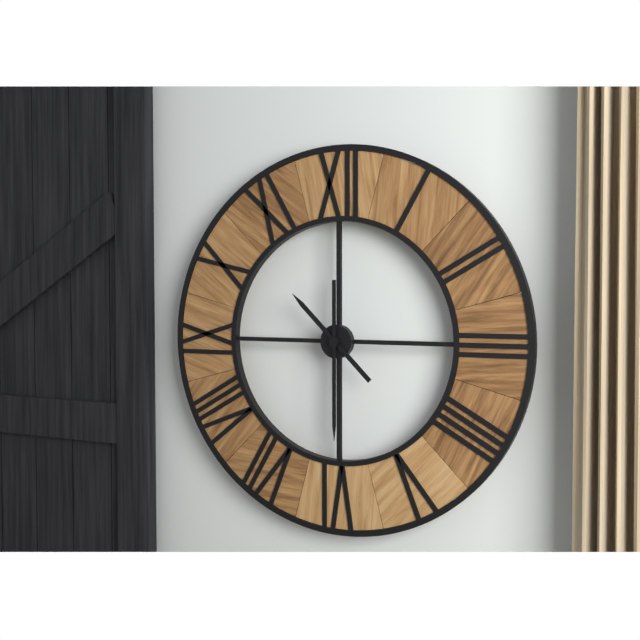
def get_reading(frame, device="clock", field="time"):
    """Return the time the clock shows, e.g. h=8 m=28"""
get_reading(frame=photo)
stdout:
h=10 m=30
